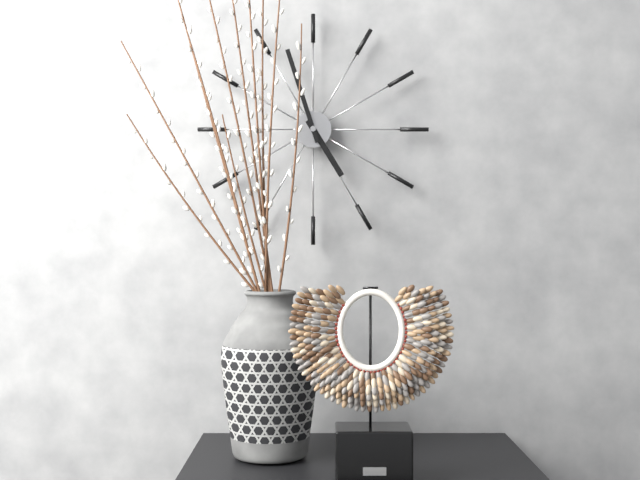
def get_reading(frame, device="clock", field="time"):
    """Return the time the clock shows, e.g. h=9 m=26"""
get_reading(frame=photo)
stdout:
h=4 m=57
